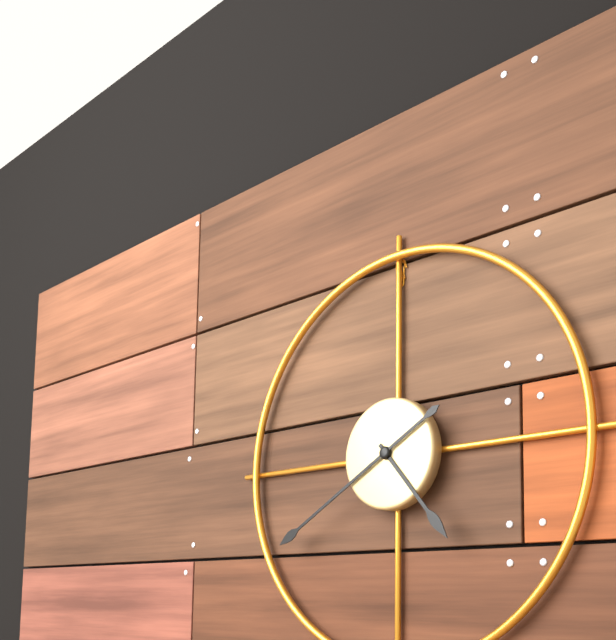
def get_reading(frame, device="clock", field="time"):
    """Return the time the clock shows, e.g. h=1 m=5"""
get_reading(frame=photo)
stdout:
h=4 m=40
